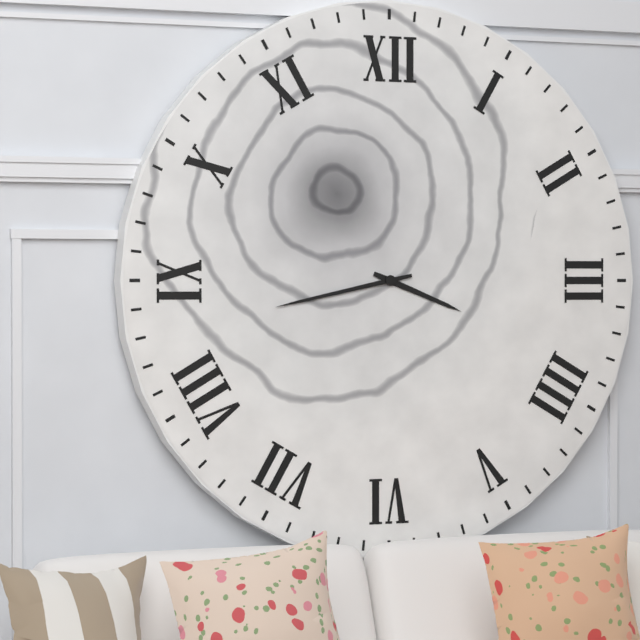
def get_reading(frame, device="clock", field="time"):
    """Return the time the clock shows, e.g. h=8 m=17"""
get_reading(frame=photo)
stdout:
h=3 m=43
